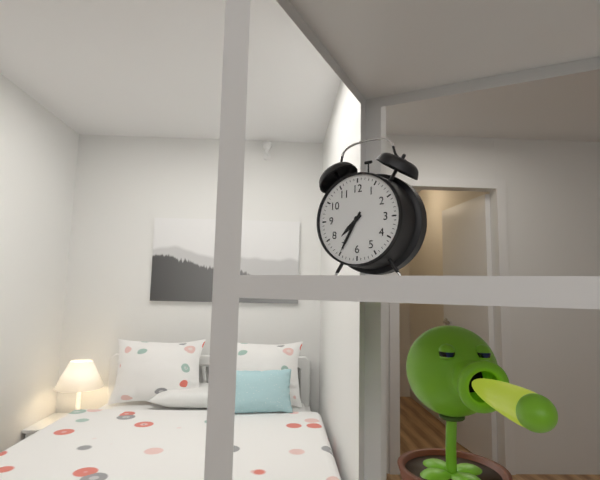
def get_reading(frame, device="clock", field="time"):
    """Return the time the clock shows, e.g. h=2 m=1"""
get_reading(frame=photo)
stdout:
h=7 m=35
